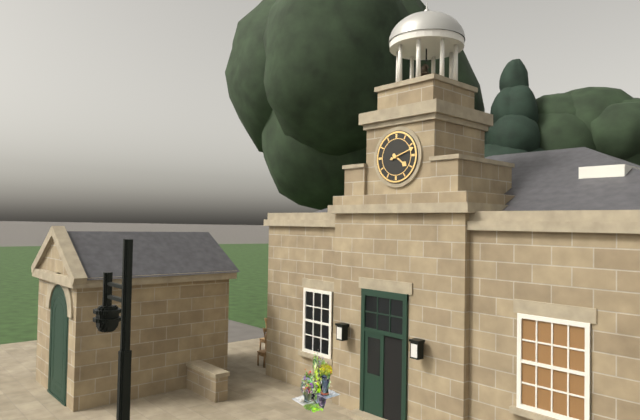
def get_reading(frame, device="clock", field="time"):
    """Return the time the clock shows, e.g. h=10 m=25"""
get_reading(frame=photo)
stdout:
h=4 m=12
